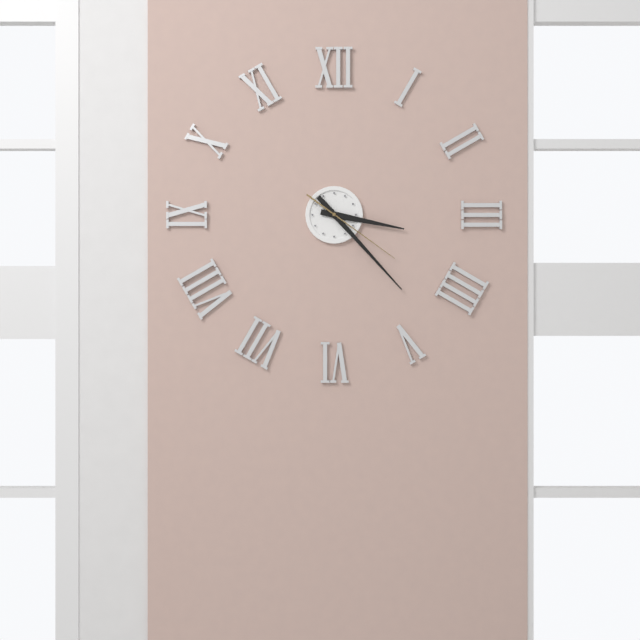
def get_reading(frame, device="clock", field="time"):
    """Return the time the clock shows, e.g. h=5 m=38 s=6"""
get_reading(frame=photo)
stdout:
h=3 m=23 s=21
